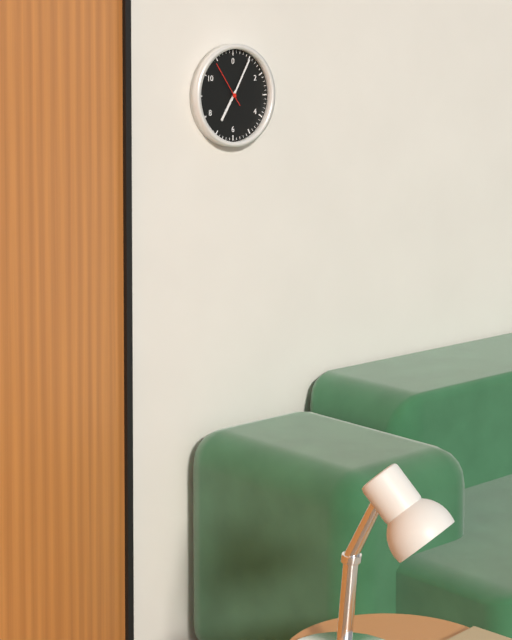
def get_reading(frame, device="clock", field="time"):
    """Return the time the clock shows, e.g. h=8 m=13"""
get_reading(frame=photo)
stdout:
h=7 m=5
